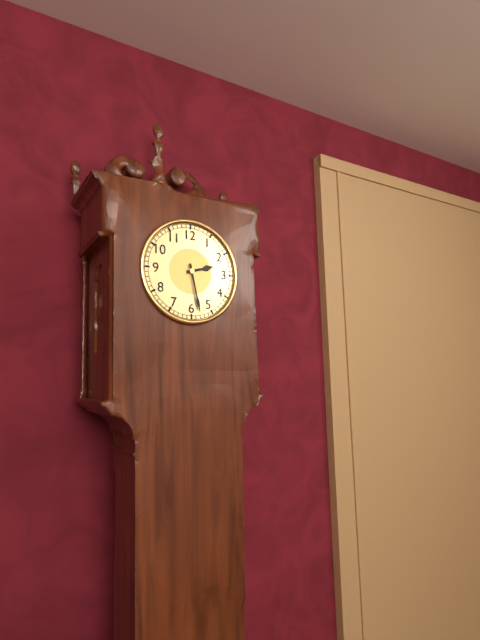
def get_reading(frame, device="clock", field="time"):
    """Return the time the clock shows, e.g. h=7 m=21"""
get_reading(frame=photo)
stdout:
h=2 m=28
